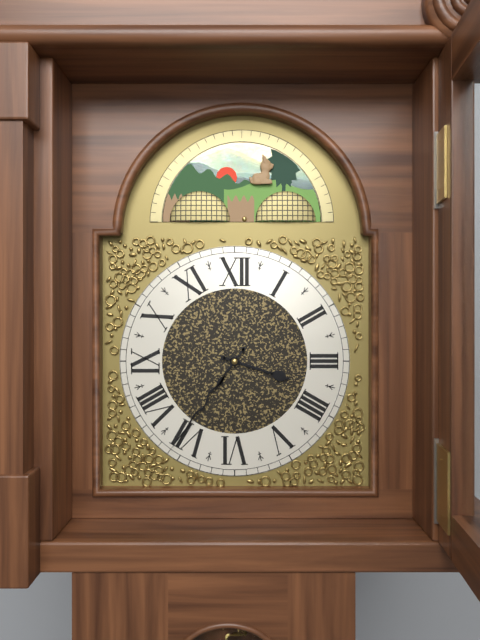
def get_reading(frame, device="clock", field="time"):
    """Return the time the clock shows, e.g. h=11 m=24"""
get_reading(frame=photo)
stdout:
h=3 m=36
